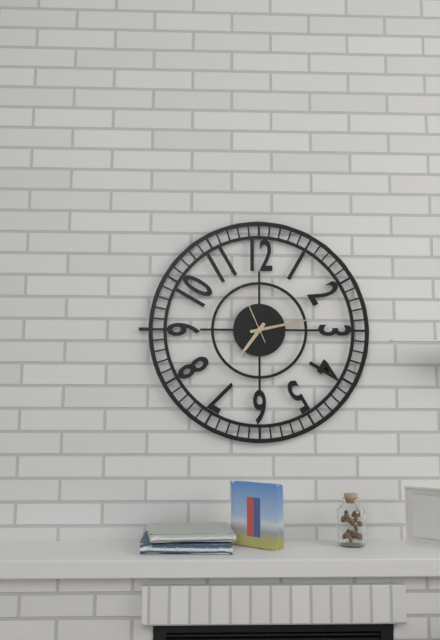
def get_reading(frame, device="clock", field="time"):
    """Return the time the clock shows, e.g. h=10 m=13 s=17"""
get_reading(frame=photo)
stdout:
h=7 m=13 s=56
